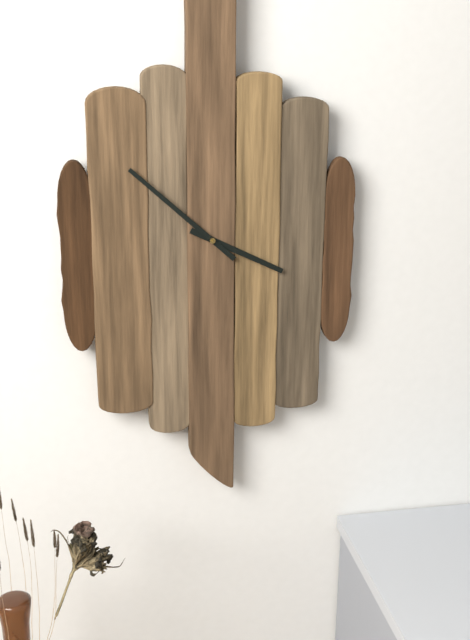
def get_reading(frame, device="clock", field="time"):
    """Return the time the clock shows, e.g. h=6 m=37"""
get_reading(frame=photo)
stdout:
h=3 m=52
